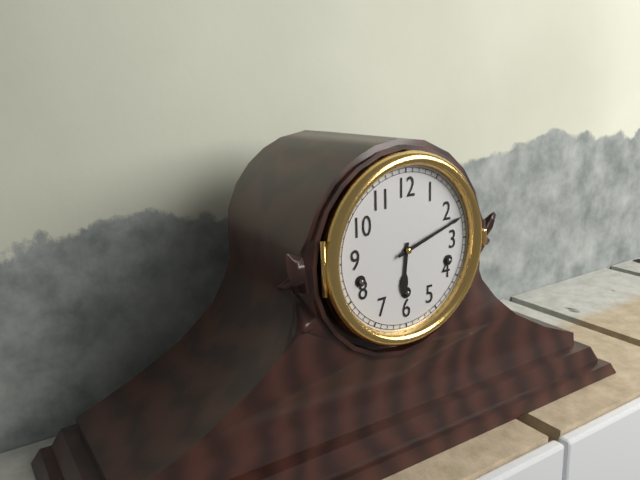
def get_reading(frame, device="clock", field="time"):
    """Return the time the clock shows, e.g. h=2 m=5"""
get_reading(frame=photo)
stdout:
h=6 m=12
